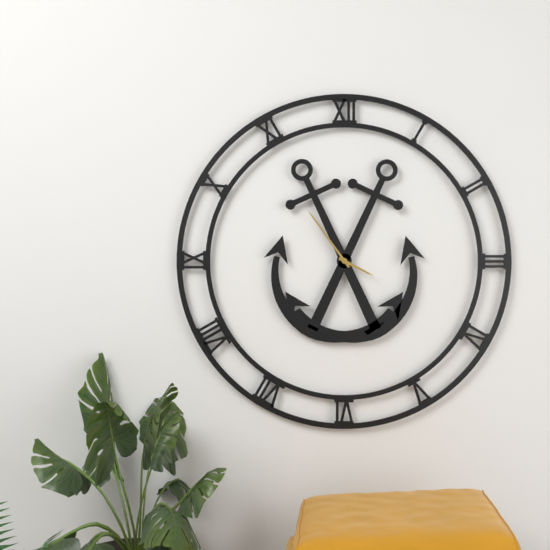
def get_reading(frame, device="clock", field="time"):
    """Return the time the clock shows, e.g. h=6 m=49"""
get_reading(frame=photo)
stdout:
h=3 m=54
